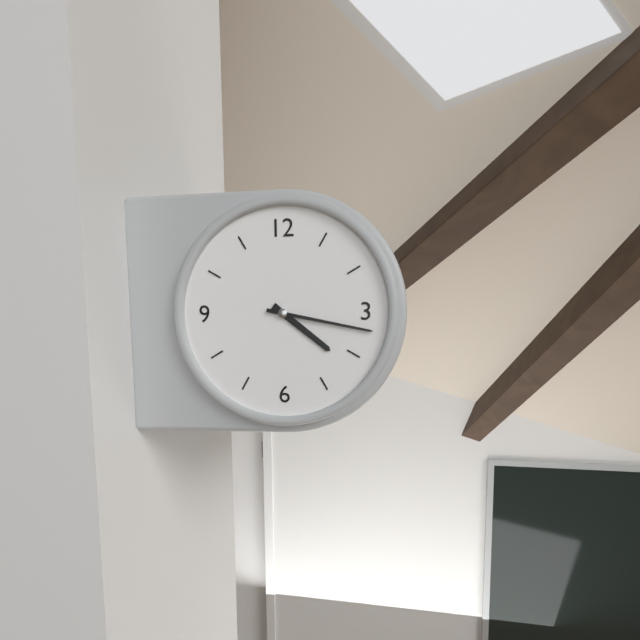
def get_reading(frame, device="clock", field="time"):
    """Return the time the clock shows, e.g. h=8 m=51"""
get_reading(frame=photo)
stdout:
h=4 m=17
